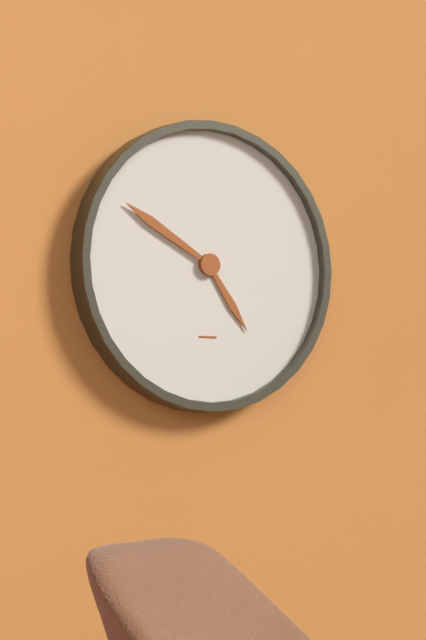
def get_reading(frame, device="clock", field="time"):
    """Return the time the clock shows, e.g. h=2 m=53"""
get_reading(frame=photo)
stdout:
h=4 m=50
